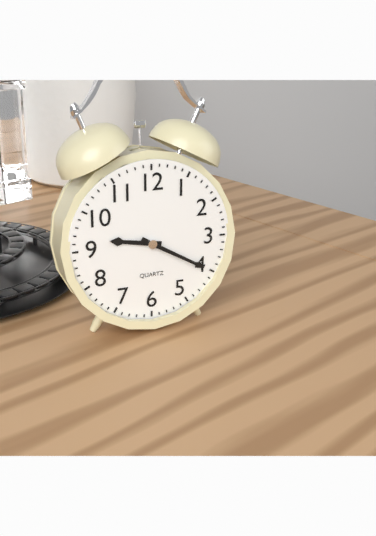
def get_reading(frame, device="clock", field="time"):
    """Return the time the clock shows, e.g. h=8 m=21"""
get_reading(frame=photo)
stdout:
h=9 m=20
